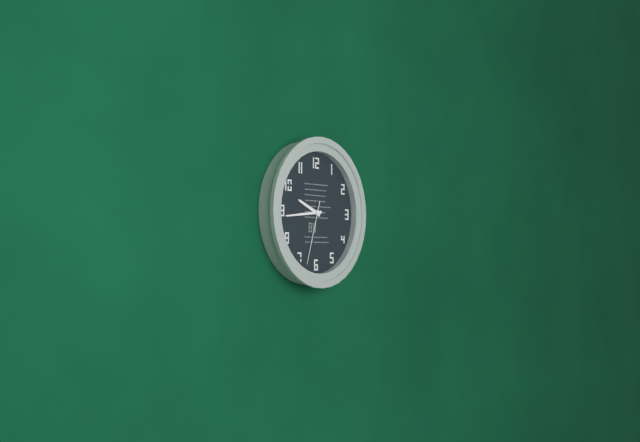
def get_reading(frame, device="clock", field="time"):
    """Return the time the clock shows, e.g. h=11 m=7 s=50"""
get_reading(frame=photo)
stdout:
h=9 m=44 s=33
